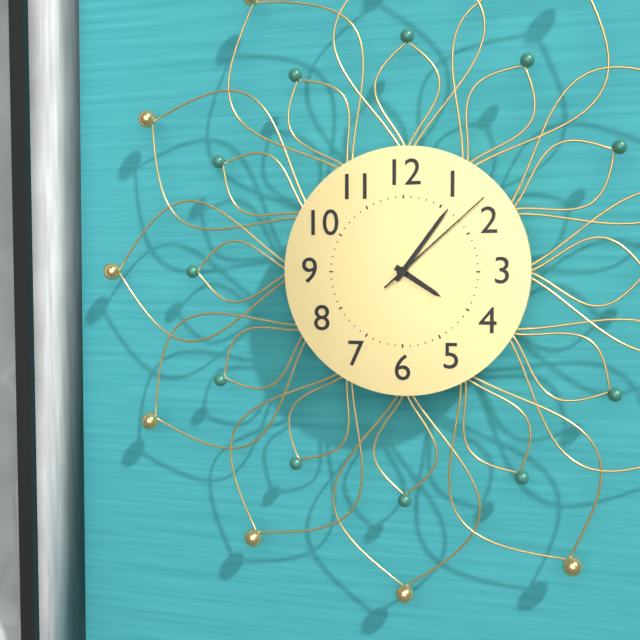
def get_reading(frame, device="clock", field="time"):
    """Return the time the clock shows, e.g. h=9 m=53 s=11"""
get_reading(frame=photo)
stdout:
h=4 m=6 s=8
